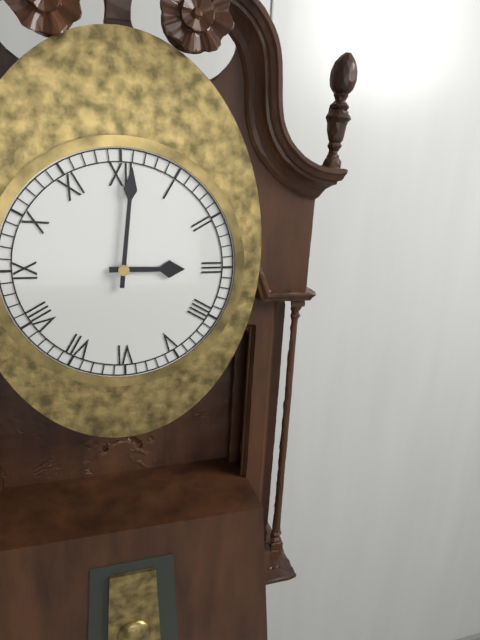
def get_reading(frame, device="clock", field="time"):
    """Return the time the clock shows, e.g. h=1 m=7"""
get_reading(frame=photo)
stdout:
h=3 m=1
